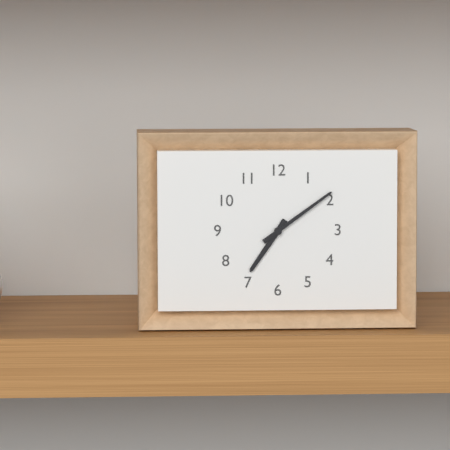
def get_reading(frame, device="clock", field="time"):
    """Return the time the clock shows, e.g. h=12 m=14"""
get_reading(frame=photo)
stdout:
h=7 m=9
